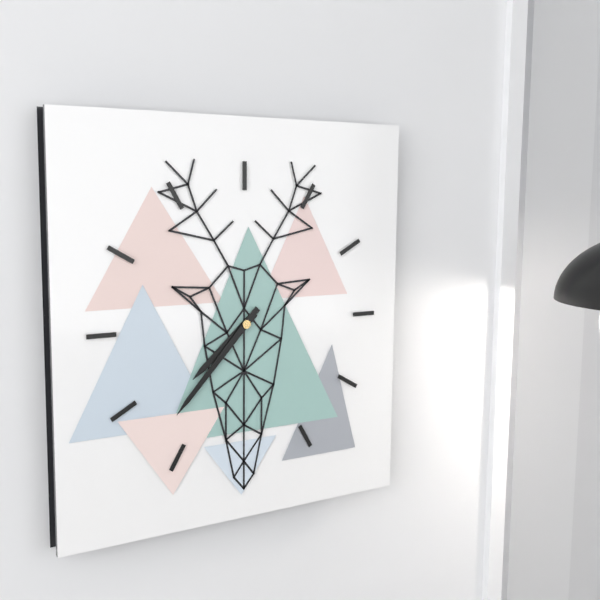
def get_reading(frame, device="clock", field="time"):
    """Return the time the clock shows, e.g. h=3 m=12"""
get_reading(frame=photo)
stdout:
h=7 m=37
